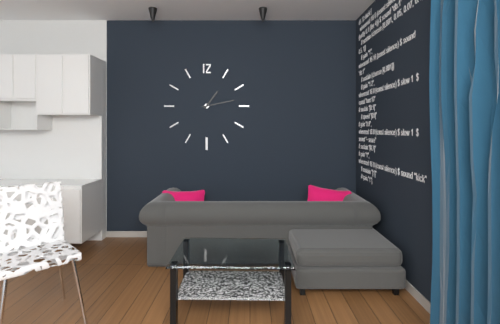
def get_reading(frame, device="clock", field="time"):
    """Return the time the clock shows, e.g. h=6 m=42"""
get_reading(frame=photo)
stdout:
h=1 m=13
